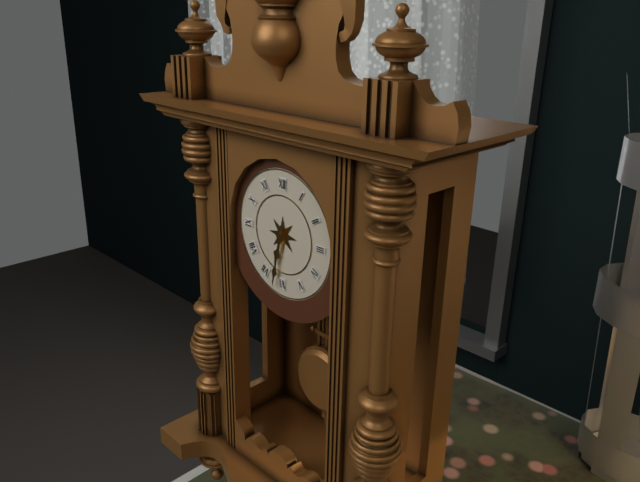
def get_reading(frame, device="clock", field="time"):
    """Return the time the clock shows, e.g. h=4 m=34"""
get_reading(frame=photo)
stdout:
h=6 m=32
